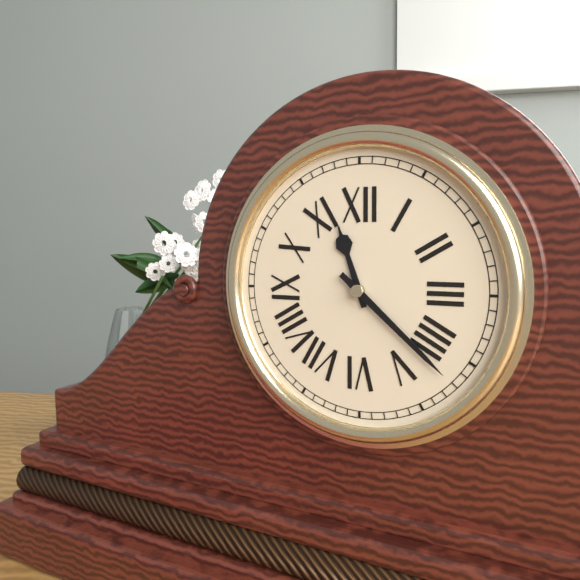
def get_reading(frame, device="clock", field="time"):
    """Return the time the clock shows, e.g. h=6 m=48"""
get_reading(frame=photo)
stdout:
h=11 m=22
